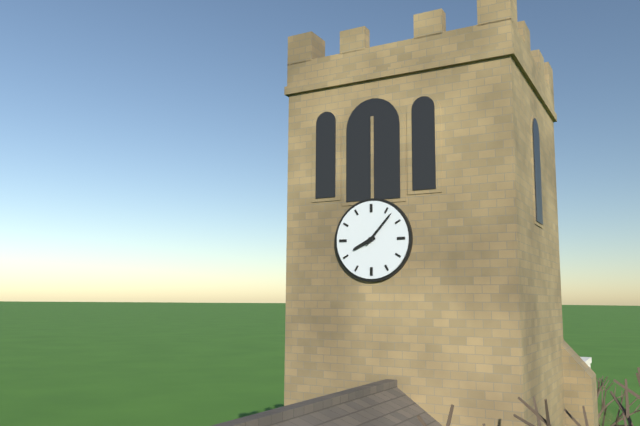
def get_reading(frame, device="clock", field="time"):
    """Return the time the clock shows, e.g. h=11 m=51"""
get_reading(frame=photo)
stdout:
h=8 m=7
